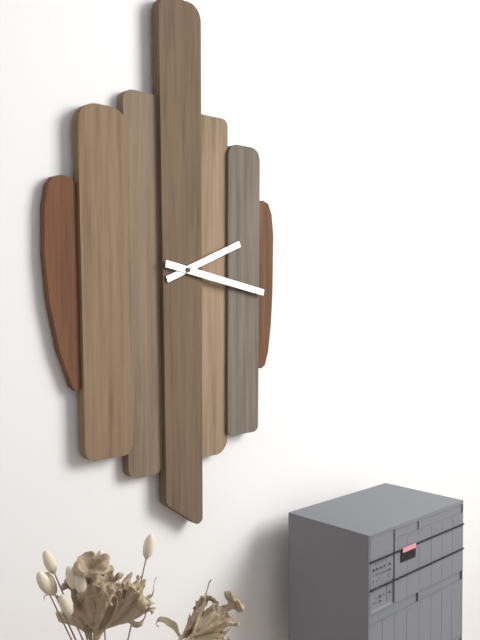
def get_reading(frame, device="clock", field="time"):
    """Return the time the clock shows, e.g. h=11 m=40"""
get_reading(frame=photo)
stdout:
h=2 m=17
